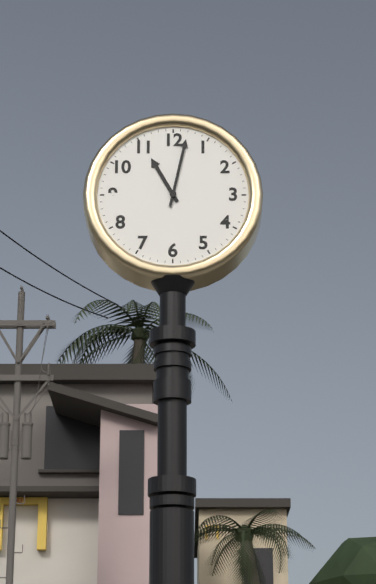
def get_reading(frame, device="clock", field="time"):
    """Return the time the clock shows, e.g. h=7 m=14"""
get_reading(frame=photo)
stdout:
h=11 m=2
